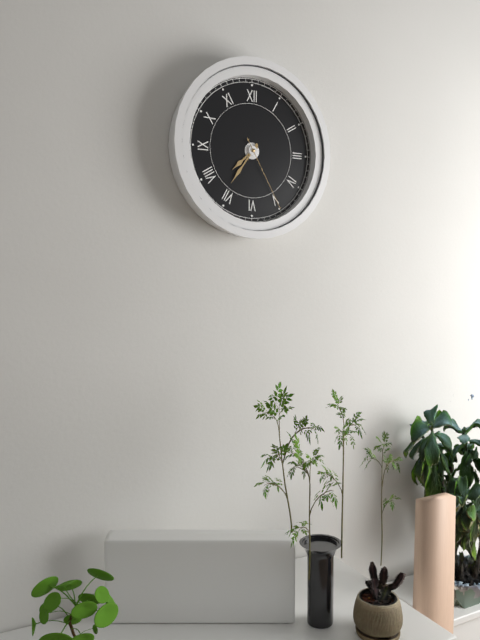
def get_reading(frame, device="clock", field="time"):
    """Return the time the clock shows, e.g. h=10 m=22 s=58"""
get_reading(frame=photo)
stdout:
h=7 m=36 s=25
